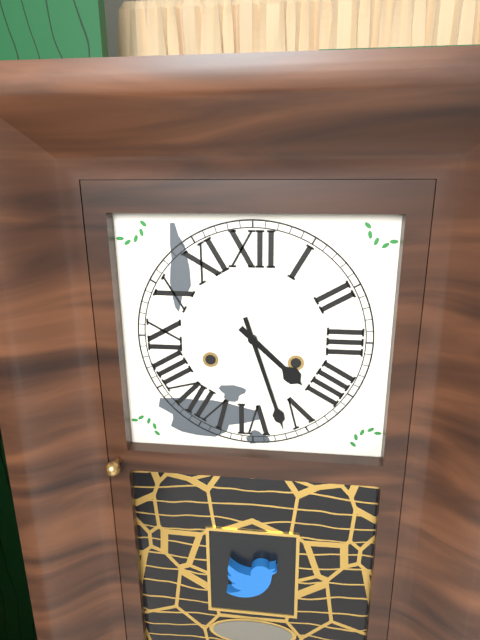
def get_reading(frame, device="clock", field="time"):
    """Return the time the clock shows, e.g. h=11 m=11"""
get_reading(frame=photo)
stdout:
h=4 m=27
